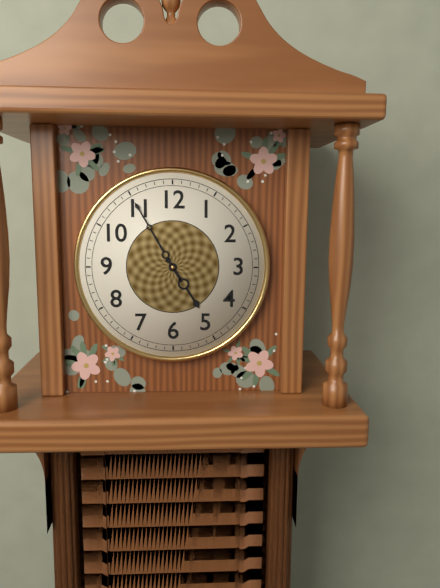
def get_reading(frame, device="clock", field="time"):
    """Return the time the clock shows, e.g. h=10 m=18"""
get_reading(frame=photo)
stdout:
h=4 m=55
